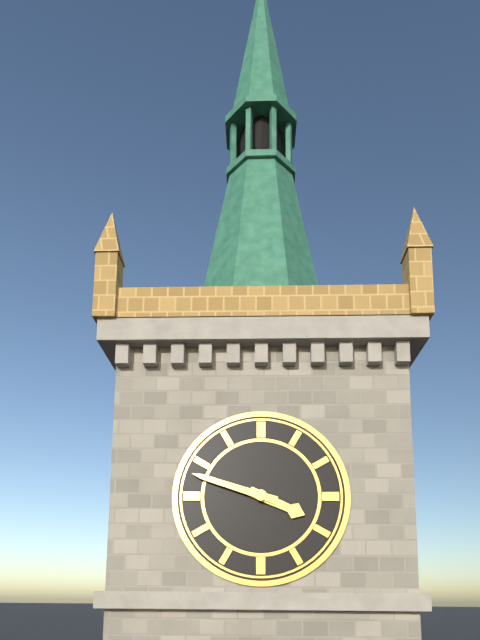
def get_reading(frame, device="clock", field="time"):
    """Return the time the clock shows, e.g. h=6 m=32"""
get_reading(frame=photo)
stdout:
h=3 m=48
